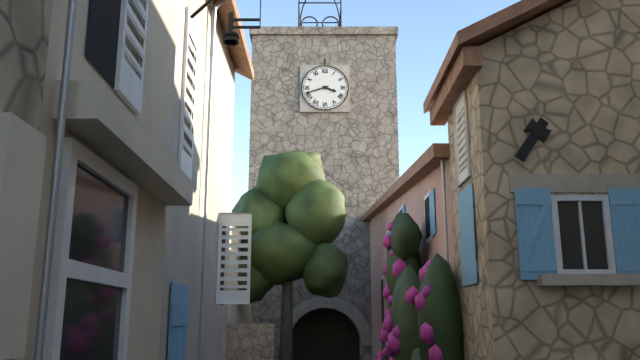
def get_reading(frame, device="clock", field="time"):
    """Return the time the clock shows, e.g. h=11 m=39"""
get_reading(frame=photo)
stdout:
h=3 m=42
